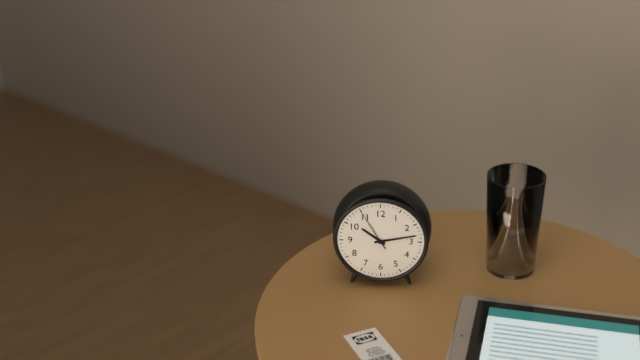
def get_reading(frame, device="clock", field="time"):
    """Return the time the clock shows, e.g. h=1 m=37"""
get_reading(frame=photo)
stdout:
h=10 m=13
